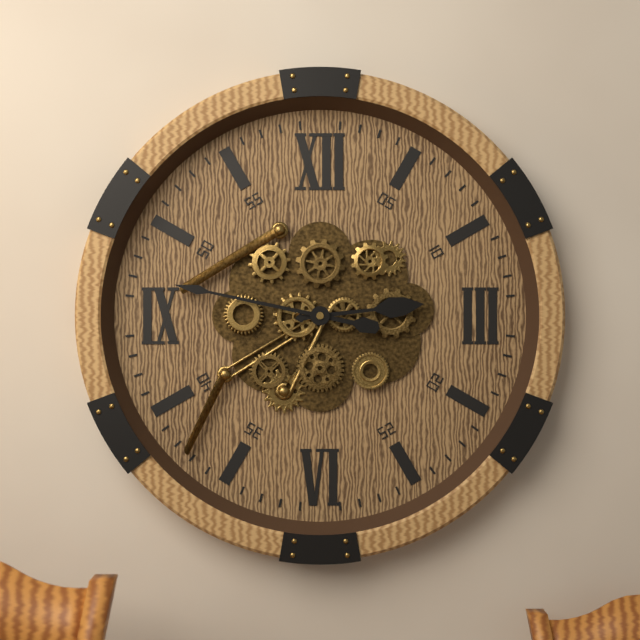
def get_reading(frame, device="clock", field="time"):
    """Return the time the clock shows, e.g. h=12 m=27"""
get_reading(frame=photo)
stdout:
h=2 m=47
